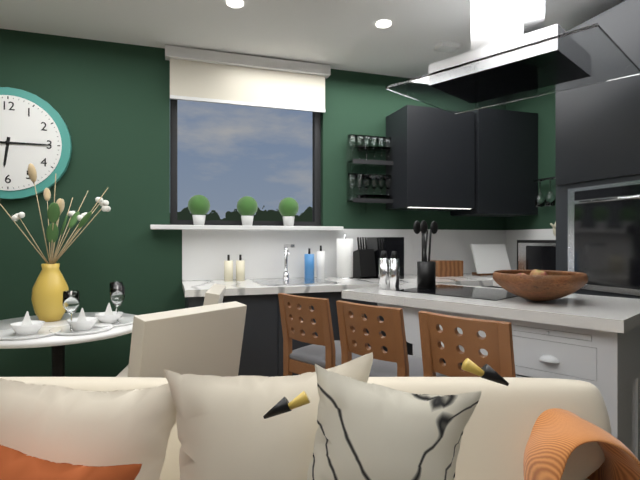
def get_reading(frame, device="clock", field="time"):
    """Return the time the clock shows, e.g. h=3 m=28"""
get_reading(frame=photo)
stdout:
h=6 m=15
